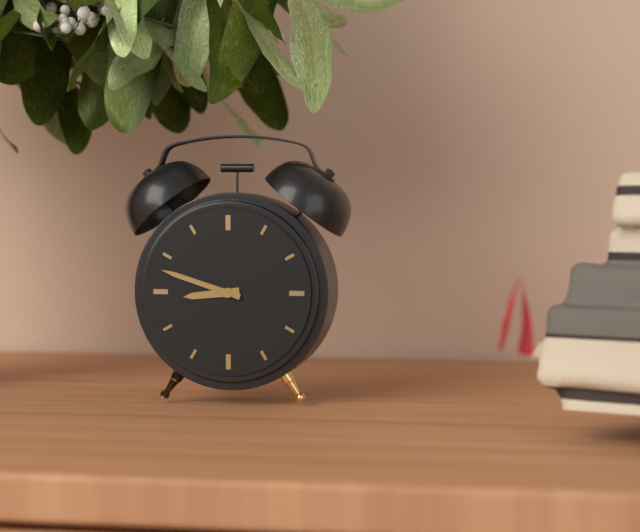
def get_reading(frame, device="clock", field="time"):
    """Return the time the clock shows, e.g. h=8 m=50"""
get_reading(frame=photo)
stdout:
h=8 m=48
